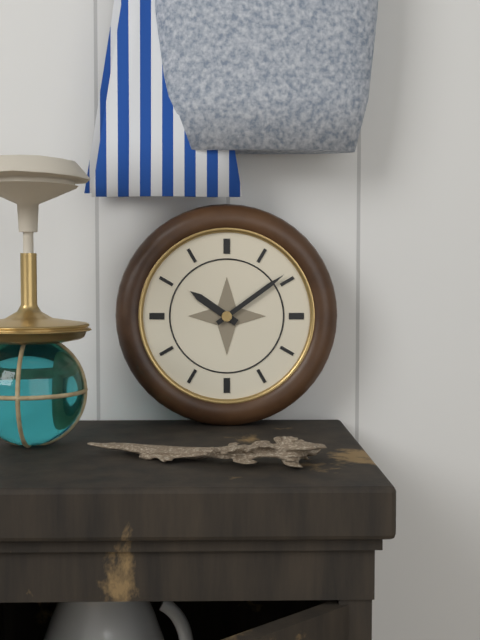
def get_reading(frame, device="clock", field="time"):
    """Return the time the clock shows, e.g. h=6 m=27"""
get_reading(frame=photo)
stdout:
h=10 m=9
